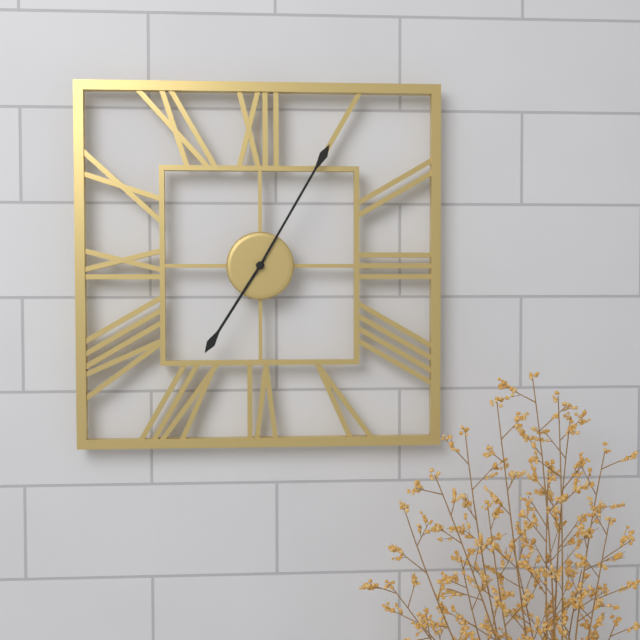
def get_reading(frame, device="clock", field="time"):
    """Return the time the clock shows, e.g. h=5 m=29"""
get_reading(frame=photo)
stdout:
h=7 m=5
